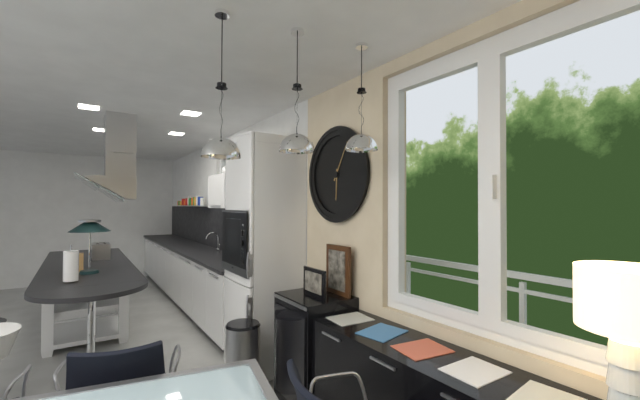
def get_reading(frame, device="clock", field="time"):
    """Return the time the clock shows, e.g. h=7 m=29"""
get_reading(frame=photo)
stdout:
h=6 m=5
